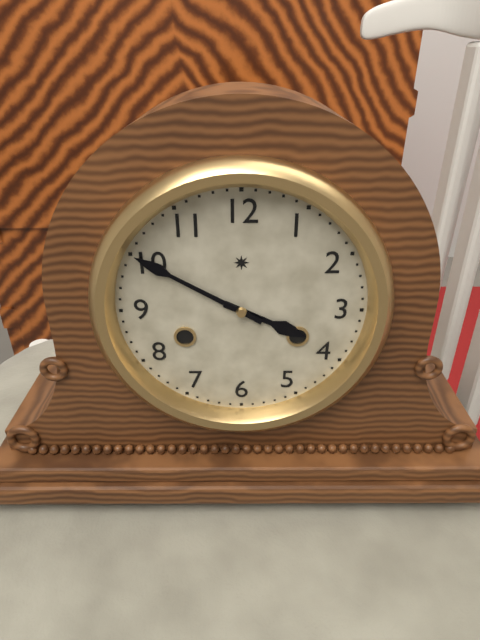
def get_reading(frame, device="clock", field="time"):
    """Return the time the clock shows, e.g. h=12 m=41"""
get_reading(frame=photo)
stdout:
h=3 m=50
